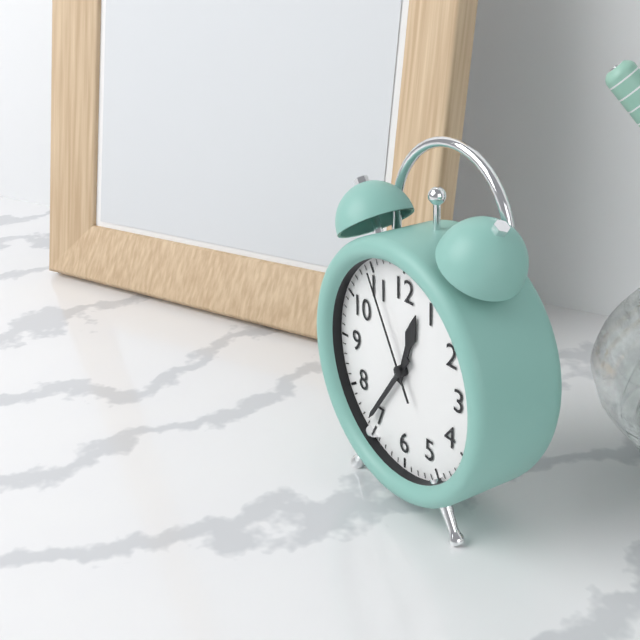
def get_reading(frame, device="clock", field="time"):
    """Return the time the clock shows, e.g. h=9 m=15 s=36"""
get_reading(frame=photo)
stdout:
h=12 m=36 s=55
